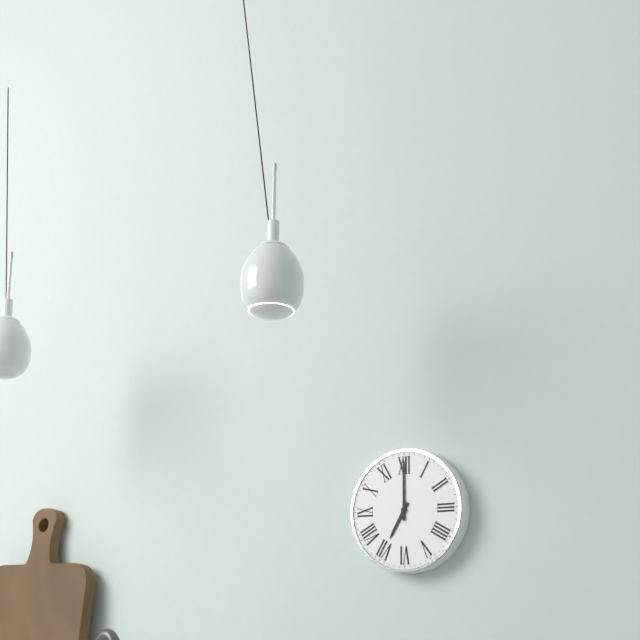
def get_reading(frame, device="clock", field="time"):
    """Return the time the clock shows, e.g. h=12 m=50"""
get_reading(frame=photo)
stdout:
h=7 m=0
